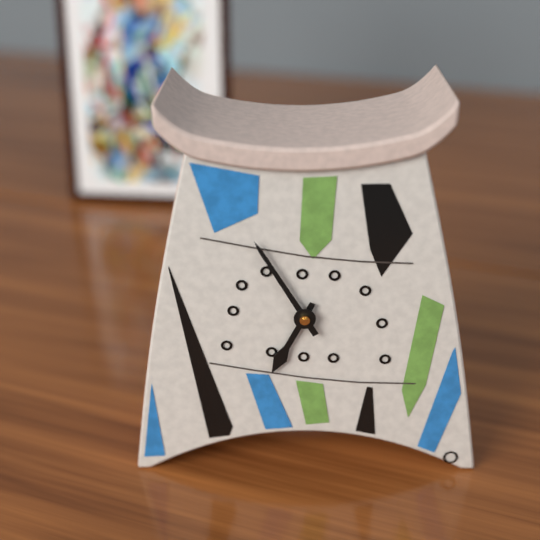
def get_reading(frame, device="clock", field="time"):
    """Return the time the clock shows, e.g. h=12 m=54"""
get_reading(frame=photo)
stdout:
h=6 m=55
